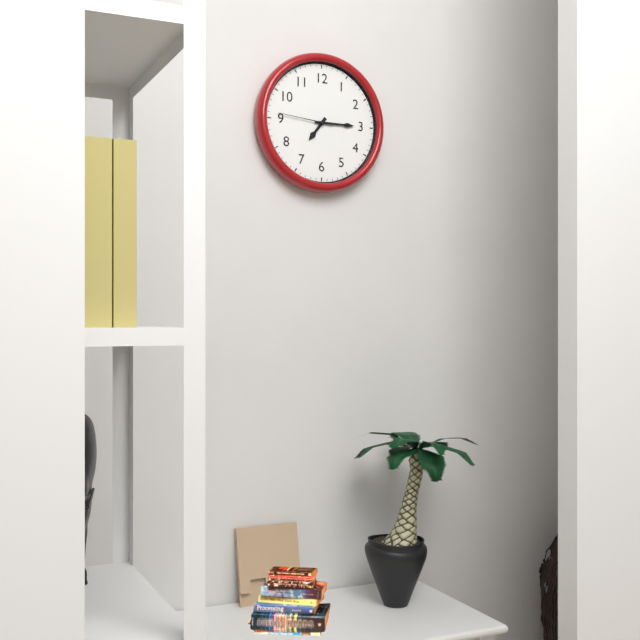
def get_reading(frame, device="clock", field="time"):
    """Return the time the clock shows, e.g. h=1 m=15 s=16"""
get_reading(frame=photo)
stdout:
h=7 m=15 s=46
